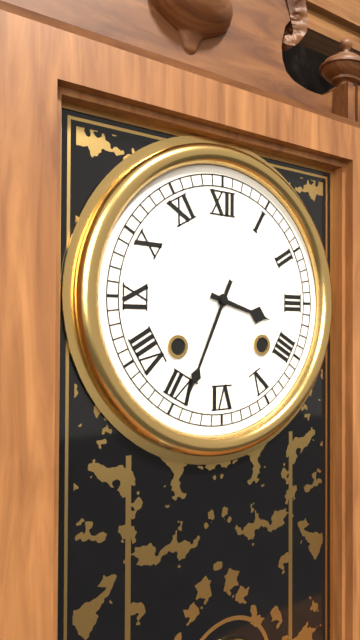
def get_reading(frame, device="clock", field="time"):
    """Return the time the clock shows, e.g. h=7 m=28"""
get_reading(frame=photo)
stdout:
h=3 m=34
